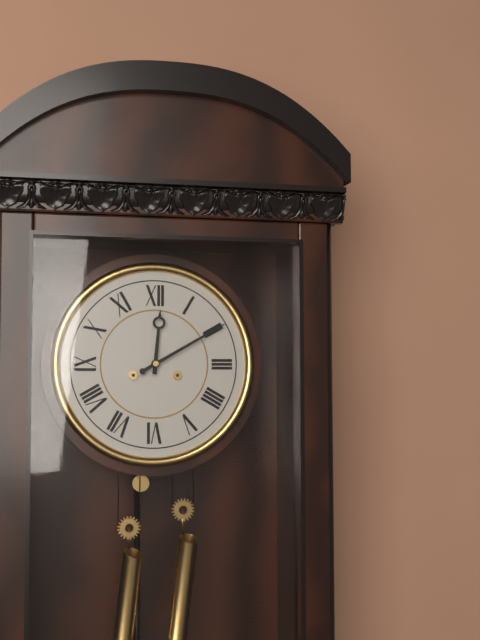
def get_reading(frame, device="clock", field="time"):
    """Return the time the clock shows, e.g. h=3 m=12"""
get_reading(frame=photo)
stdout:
h=12 m=10
